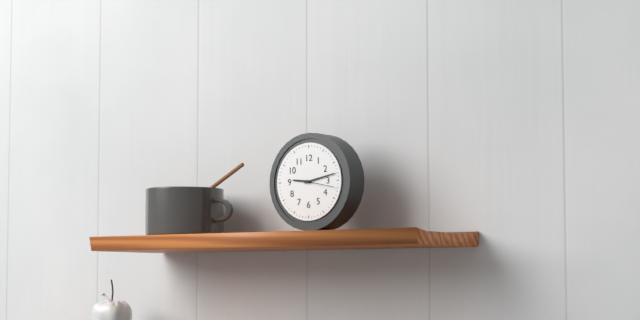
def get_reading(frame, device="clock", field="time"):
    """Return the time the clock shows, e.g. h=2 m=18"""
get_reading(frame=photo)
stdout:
h=9 m=13
